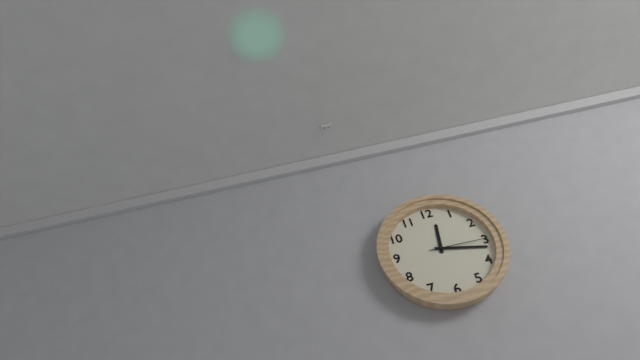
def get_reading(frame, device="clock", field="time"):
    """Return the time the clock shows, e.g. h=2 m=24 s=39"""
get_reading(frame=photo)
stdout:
h=12 m=17 s=15
